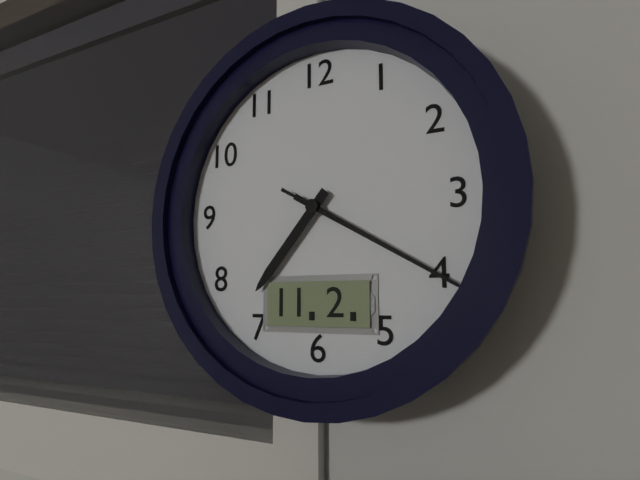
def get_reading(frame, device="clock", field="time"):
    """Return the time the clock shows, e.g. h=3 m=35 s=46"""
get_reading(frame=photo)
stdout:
h=7 m=20 s=20
